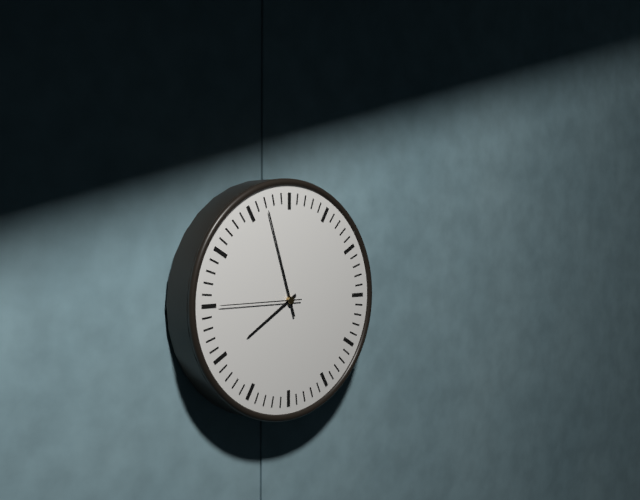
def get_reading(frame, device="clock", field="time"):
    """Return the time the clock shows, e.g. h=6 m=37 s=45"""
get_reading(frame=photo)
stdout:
h=7 m=57 s=45
